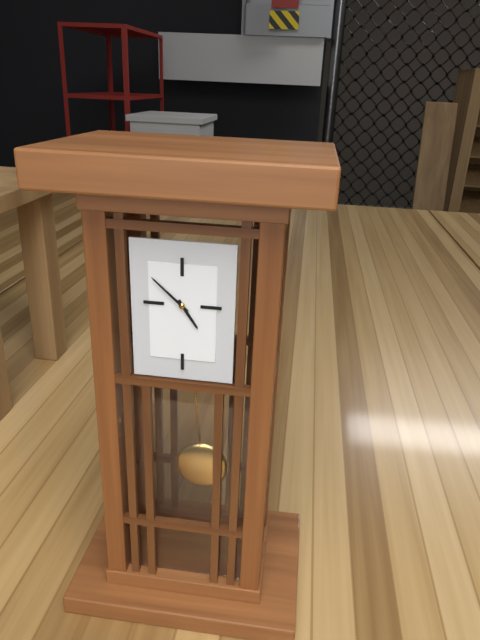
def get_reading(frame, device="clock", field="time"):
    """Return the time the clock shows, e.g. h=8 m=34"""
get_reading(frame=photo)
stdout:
h=4 m=52
